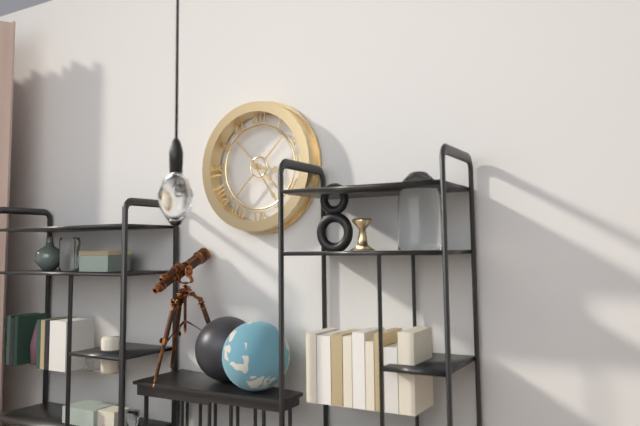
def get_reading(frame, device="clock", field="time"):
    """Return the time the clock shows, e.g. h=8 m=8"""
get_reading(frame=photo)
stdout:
h=3 m=24
